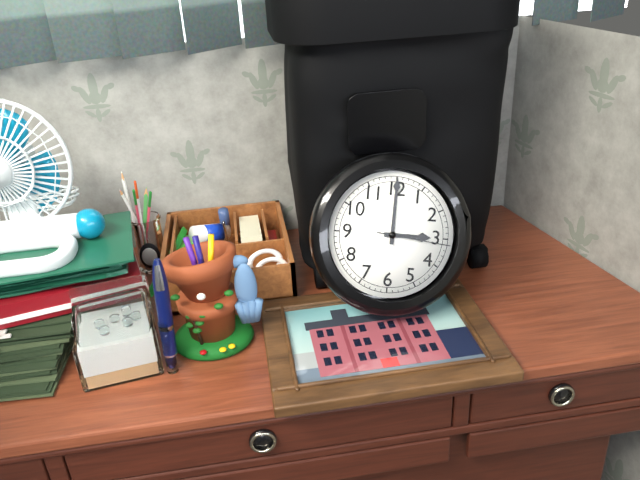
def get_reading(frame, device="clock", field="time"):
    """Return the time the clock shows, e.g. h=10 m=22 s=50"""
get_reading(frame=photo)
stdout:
h=3 m=0 s=16
